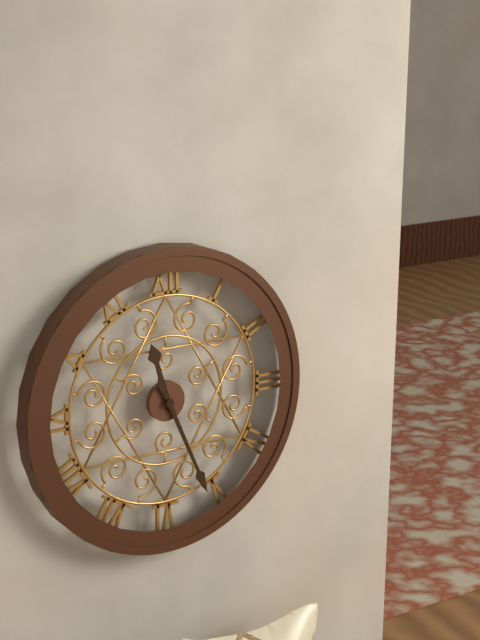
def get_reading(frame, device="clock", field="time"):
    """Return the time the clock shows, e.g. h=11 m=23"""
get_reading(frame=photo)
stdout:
h=11 m=26
